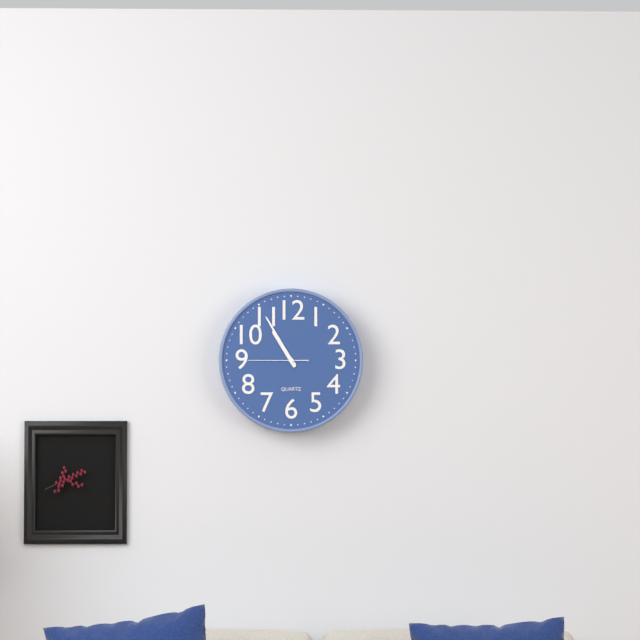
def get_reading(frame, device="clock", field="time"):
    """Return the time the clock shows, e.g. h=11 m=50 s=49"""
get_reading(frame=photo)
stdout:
h=10 m=55 s=45
